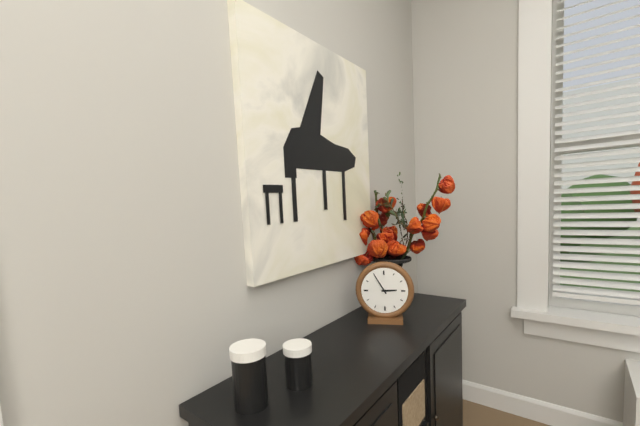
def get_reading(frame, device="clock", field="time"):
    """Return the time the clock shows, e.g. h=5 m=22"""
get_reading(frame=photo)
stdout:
h=2 m=55
